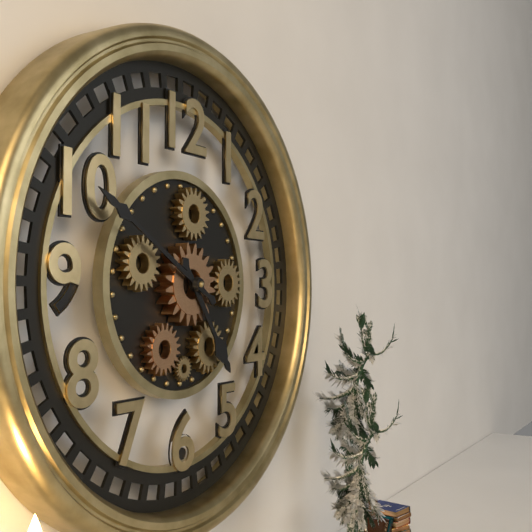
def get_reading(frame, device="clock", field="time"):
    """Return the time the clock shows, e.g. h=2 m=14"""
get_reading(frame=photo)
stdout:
h=4 m=50
